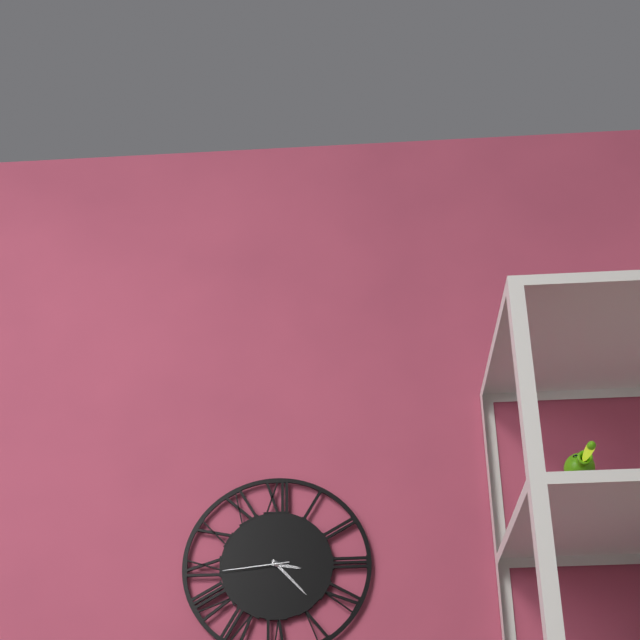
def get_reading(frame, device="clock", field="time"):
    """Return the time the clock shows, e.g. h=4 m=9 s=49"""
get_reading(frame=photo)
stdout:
h=3 m=23 s=44
